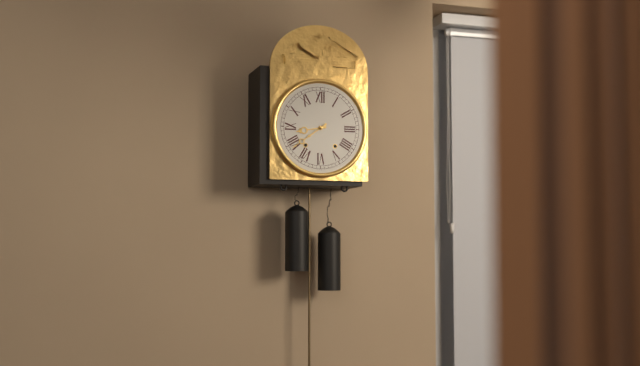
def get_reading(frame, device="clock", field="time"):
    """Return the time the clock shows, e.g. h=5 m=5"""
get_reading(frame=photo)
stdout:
h=8 m=39
